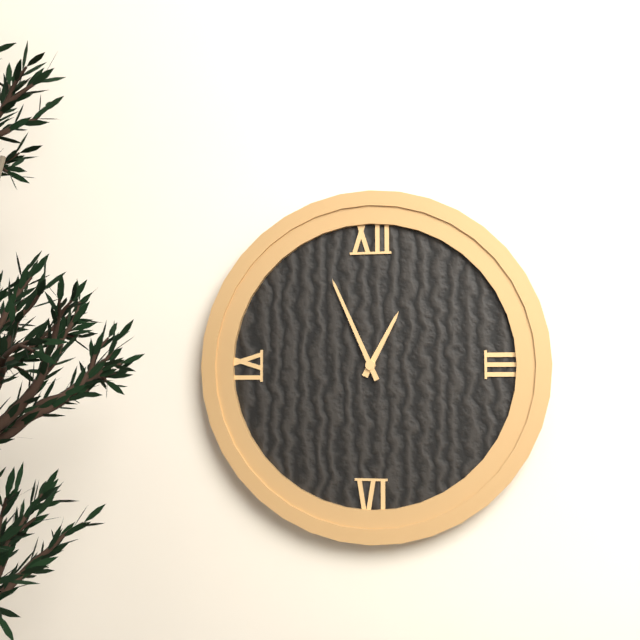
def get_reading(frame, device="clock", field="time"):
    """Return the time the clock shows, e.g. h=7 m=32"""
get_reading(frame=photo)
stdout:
h=12 m=56
